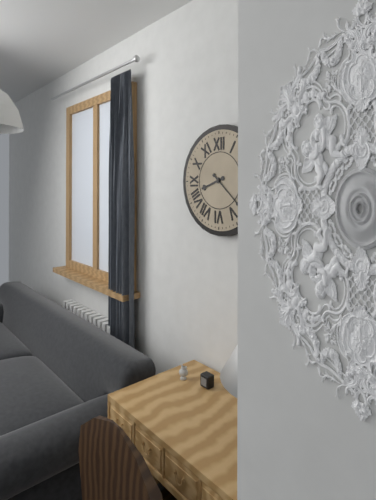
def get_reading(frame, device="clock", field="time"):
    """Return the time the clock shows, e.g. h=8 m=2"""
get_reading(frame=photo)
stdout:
h=8 m=22
